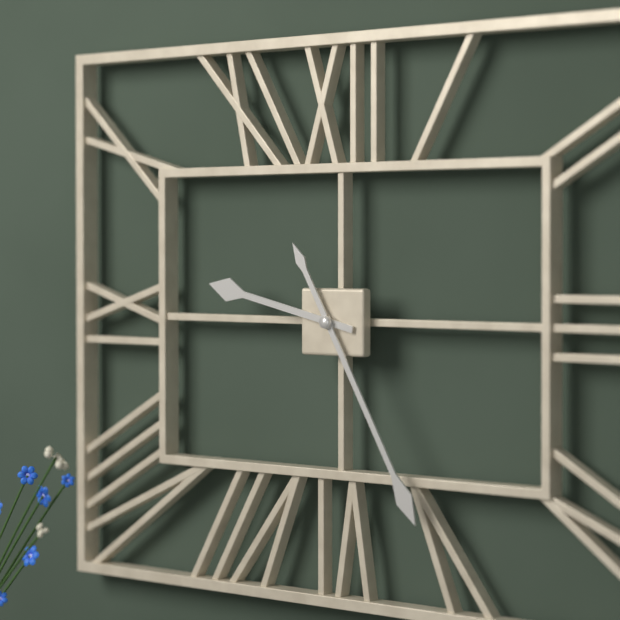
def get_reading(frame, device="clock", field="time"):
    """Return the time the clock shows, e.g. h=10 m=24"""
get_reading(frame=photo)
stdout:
h=9 m=25
